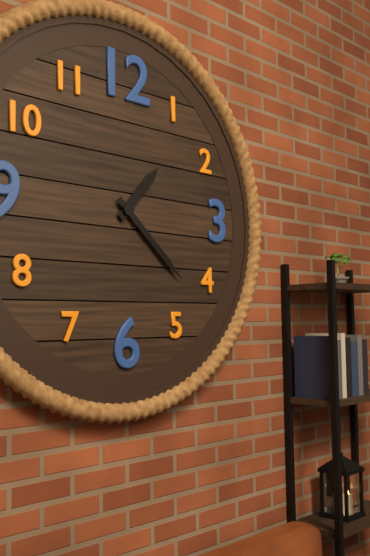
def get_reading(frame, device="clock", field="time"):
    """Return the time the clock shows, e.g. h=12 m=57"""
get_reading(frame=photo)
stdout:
h=1 m=22
